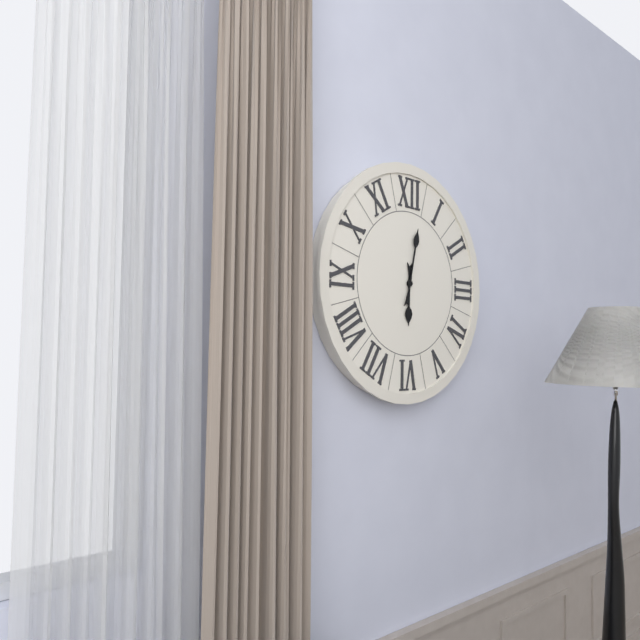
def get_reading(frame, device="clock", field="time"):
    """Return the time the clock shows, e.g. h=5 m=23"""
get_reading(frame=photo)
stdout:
h=6 m=2
